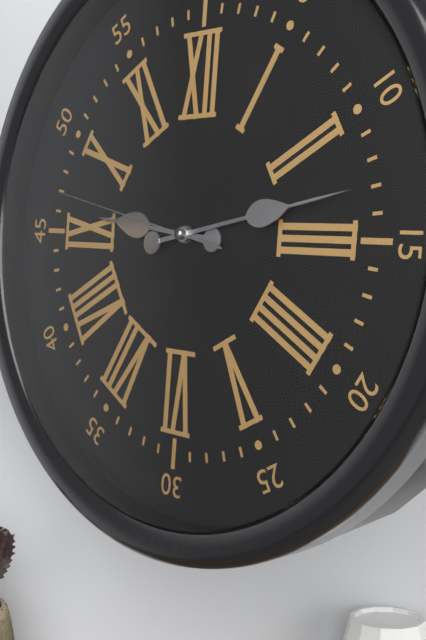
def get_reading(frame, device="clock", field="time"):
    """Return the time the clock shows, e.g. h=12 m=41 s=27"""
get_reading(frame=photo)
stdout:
h=9 m=13 s=47
